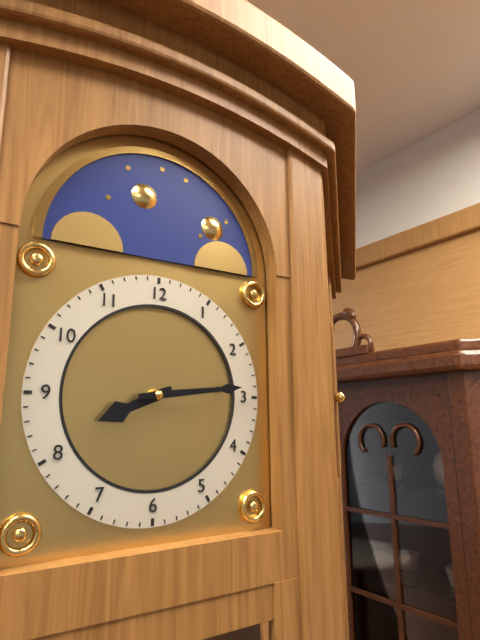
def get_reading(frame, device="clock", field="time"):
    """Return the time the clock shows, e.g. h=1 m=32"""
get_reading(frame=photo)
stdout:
h=8 m=14
